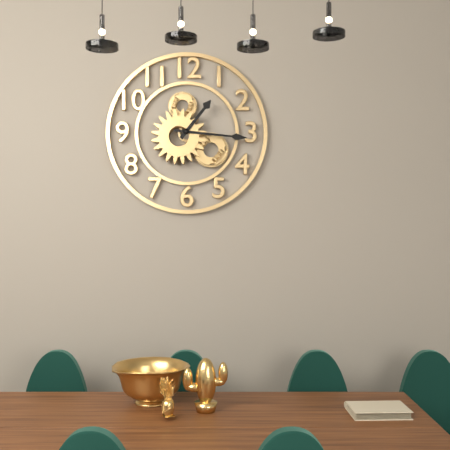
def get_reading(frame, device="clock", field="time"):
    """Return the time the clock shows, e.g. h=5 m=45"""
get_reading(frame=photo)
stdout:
h=1 m=16
